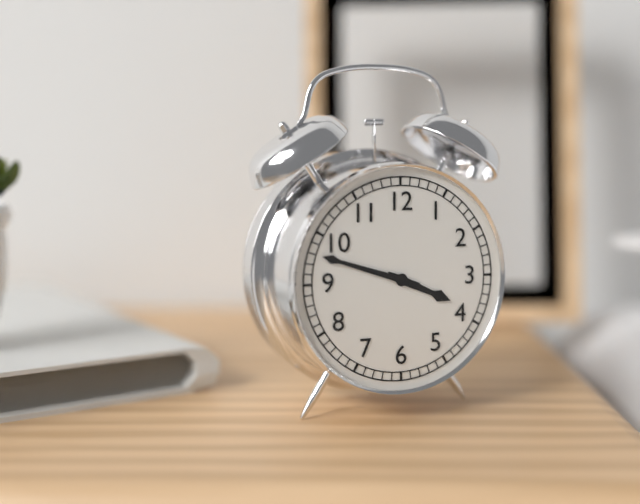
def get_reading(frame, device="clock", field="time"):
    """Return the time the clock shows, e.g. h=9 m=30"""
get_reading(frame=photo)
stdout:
h=3 m=48
